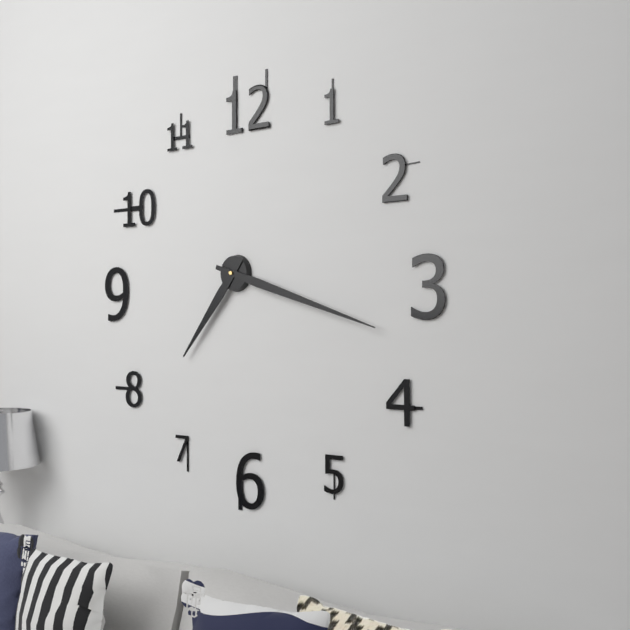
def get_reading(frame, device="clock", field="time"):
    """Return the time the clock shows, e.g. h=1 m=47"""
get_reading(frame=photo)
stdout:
h=7 m=18
